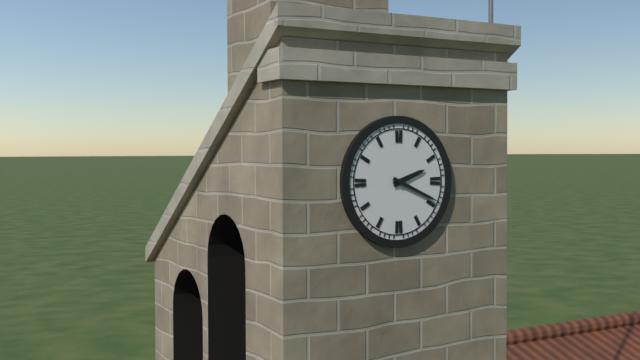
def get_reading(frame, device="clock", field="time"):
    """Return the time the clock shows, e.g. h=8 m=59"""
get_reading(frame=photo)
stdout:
h=2 m=19
